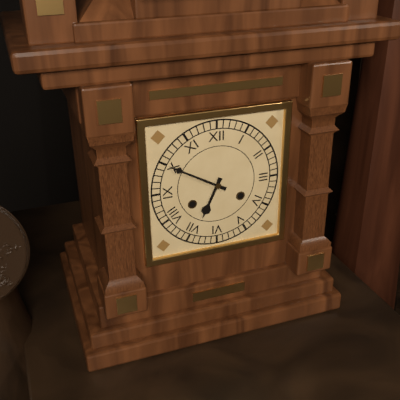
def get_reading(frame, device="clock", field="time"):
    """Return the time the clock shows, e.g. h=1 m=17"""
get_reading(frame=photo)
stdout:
h=6 m=50
